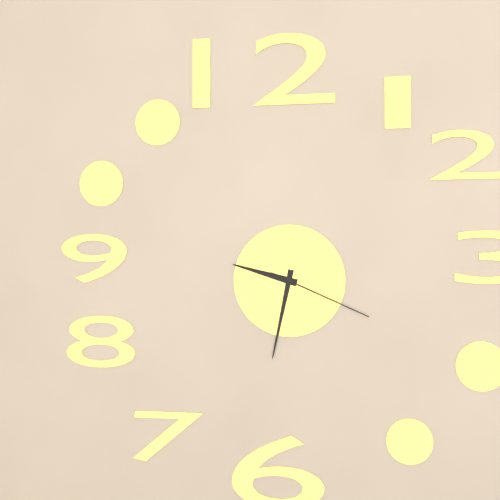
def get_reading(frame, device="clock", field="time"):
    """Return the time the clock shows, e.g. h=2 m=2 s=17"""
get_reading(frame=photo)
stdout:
h=9 m=32 s=19
